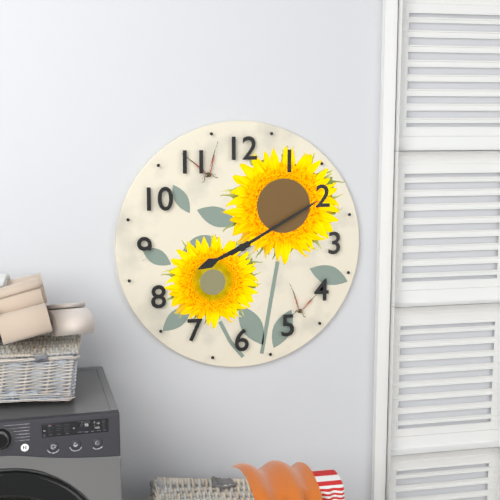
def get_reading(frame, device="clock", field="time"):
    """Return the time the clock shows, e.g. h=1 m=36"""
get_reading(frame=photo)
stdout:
h=8 m=10
